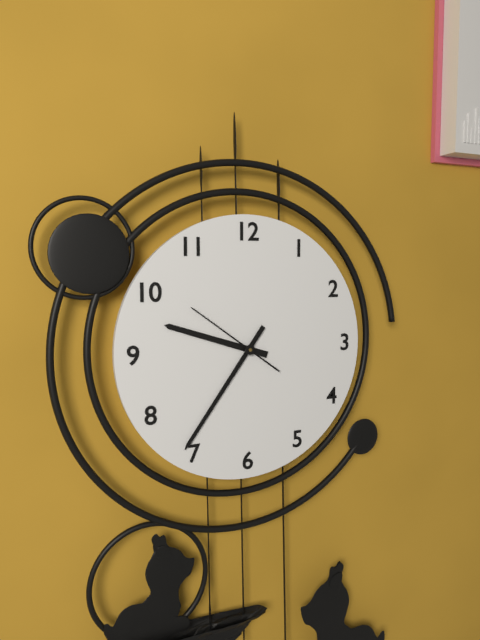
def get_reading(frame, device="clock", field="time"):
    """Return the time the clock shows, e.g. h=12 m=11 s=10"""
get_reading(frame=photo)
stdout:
h=9 m=36 s=51
